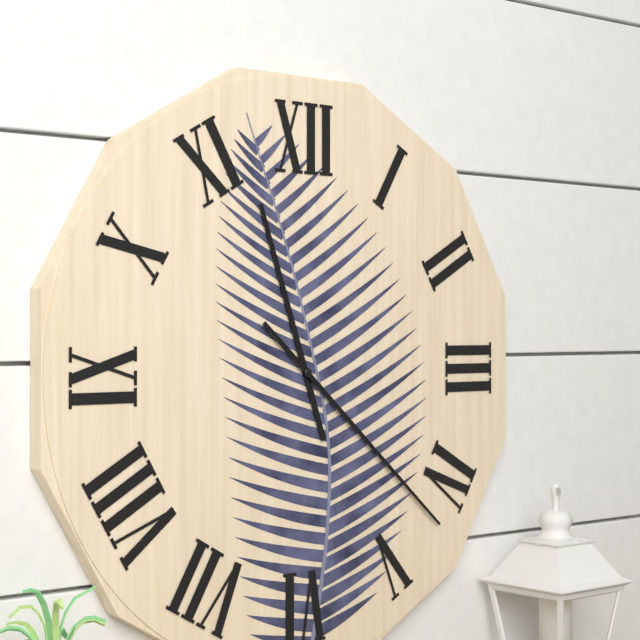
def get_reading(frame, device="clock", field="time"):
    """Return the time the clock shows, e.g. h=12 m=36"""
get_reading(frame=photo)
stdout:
h=11 m=22
